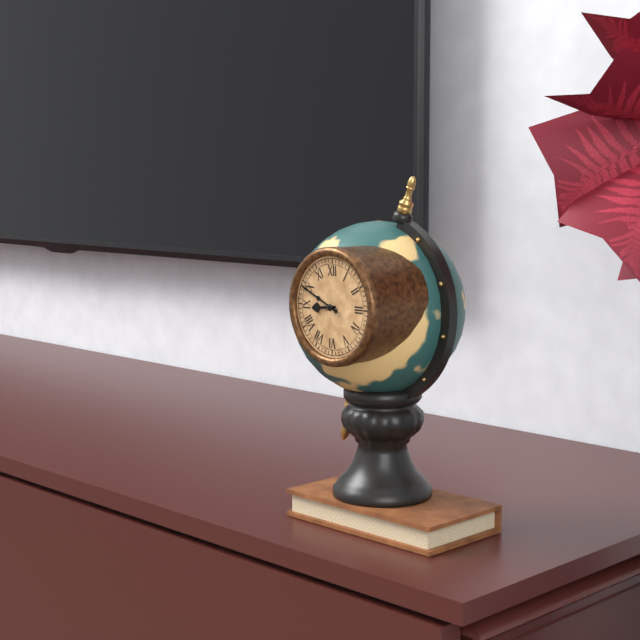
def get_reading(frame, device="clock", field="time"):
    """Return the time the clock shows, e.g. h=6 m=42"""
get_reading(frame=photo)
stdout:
h=8 m=49
